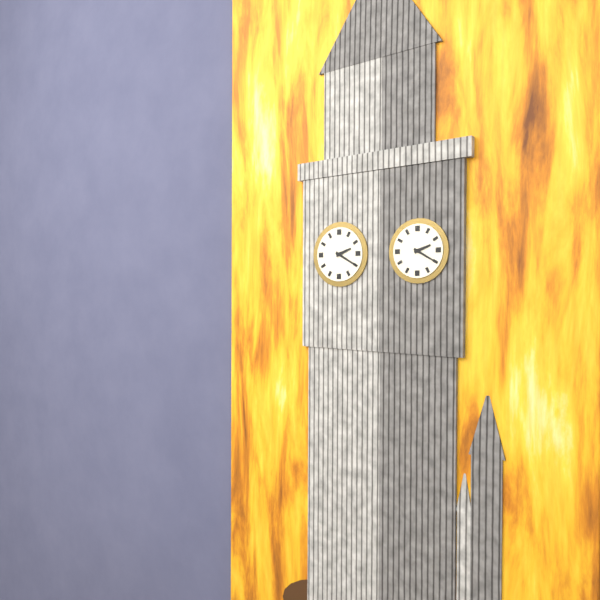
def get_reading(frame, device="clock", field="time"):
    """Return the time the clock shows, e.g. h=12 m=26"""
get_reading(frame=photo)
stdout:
h=2 m=20
